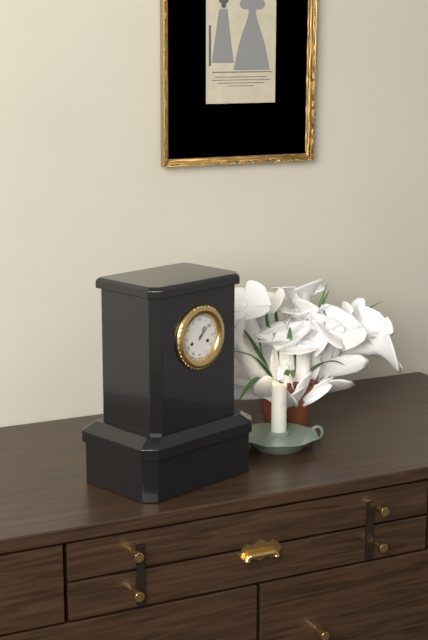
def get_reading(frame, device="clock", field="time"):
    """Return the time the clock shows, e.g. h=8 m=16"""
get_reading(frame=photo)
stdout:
h=1 m=8
